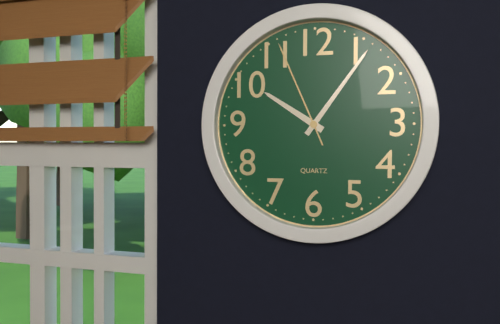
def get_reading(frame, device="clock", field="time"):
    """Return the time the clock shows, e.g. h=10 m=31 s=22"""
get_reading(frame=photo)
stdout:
h=10 m=6 s=56
